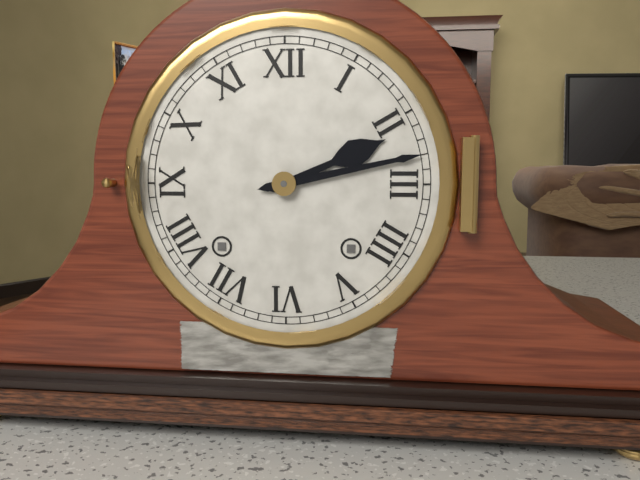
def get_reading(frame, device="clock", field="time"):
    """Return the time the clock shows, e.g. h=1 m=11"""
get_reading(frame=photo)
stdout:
h=2 m=13
